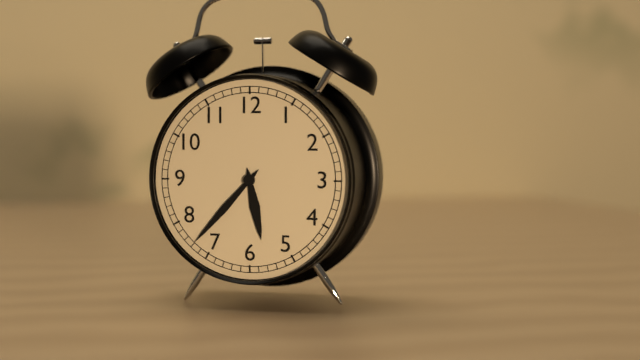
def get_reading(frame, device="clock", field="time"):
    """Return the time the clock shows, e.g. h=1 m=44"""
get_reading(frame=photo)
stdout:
h=5 m=37
